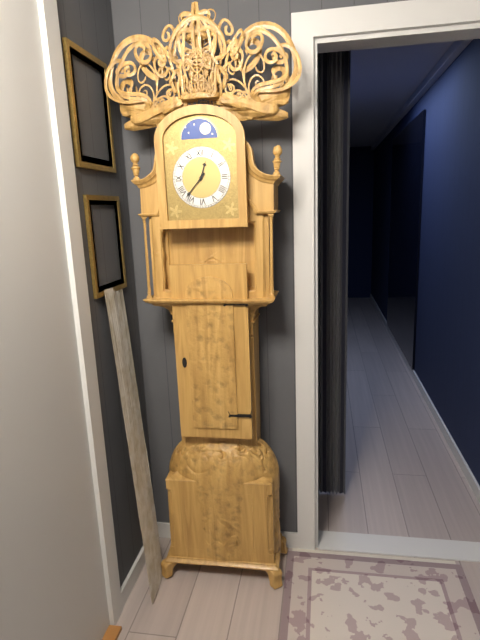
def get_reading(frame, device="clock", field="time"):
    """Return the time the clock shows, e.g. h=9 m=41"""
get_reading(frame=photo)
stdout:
h=12 m=37
